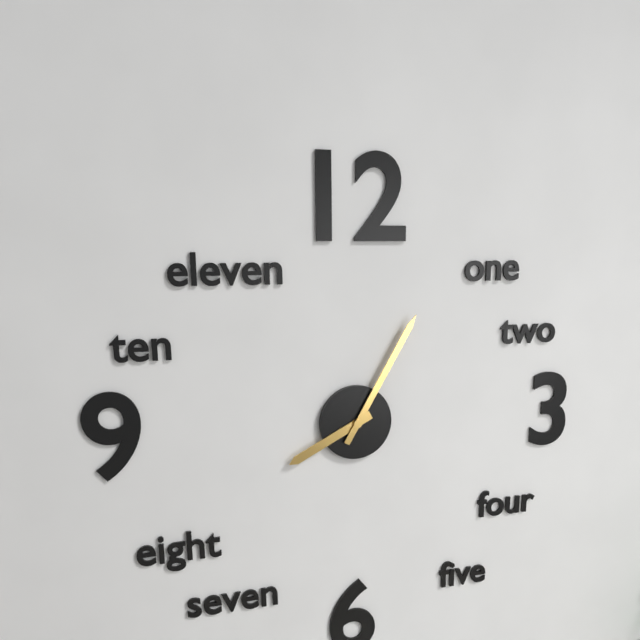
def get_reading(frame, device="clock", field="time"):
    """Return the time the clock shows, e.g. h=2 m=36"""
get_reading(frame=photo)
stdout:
h=8 m=5
